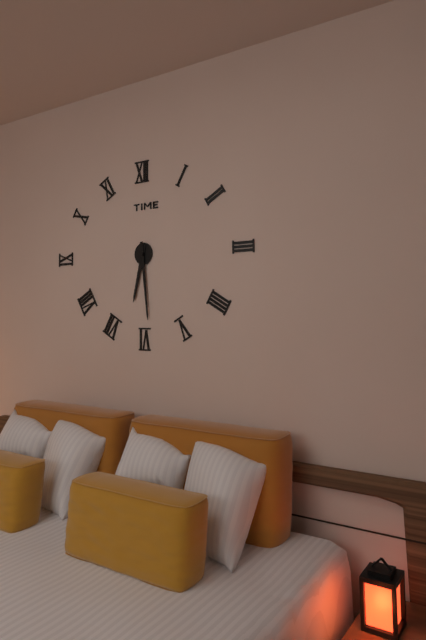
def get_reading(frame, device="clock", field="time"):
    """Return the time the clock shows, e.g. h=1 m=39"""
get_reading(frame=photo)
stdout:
h=6 m=29
